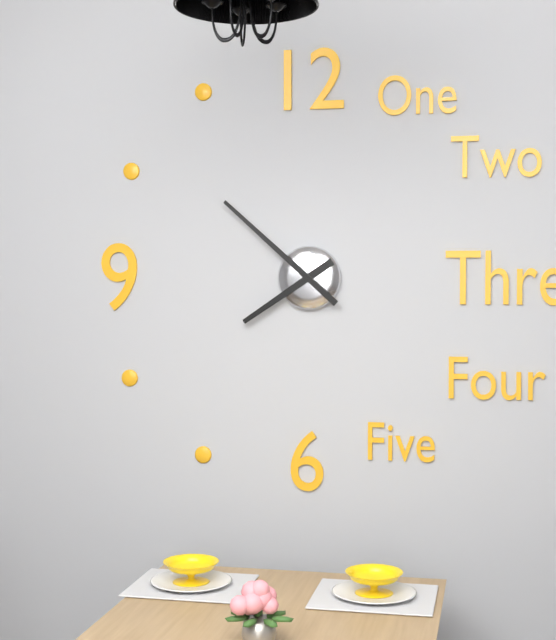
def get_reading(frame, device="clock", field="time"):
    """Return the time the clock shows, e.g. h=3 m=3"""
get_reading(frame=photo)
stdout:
h=7 m=52
